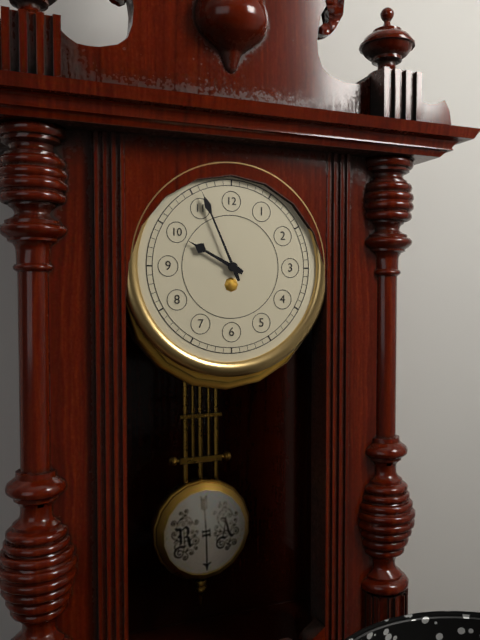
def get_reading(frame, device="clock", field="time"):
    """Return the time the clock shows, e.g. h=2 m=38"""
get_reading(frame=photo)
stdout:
h=9 m=56
